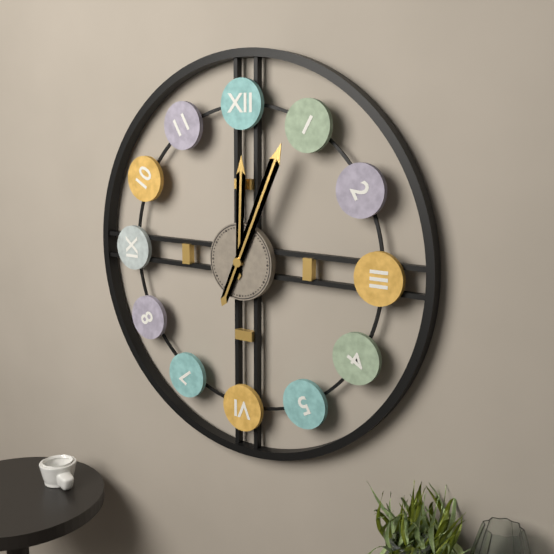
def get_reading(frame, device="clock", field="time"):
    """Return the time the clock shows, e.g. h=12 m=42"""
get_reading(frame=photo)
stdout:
h=12 m=4
